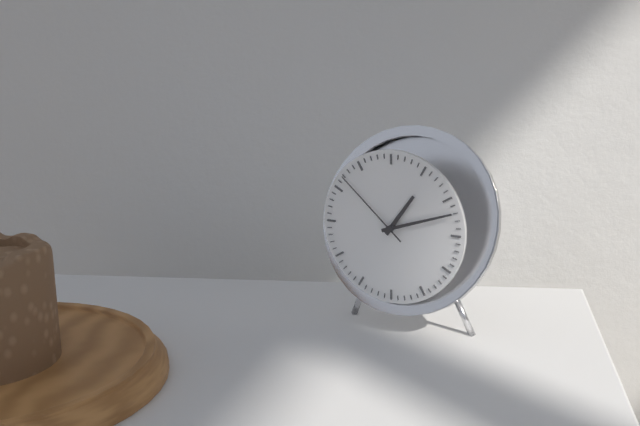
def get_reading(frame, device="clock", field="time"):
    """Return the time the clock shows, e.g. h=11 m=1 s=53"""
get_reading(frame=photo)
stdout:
h=1 m=12 s=52
